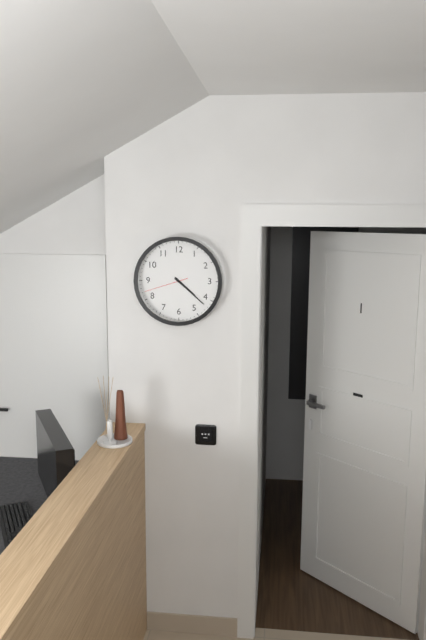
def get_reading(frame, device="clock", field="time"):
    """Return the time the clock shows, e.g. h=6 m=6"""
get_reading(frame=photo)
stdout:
h=4 m=22
